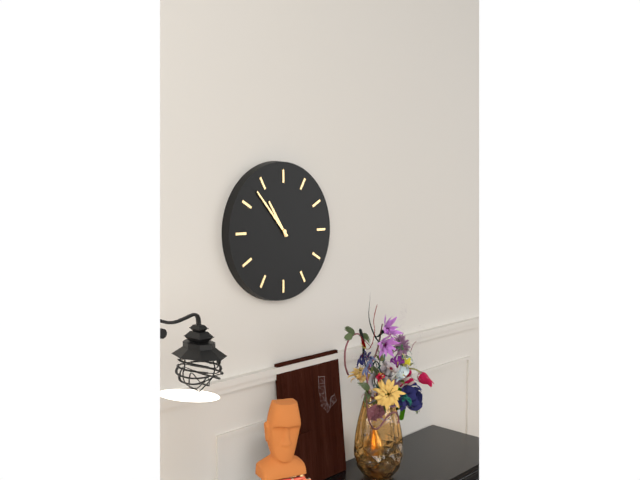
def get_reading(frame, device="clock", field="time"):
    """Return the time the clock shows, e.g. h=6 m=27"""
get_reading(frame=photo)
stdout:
h=10 m=53
